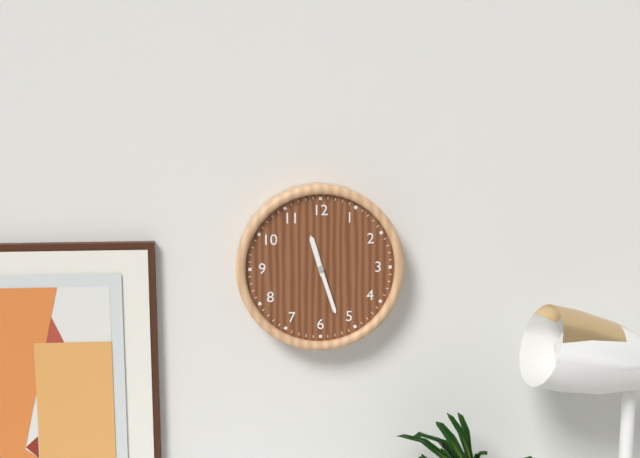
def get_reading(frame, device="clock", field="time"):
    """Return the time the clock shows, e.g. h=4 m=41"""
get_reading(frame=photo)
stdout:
h=11 m=27
